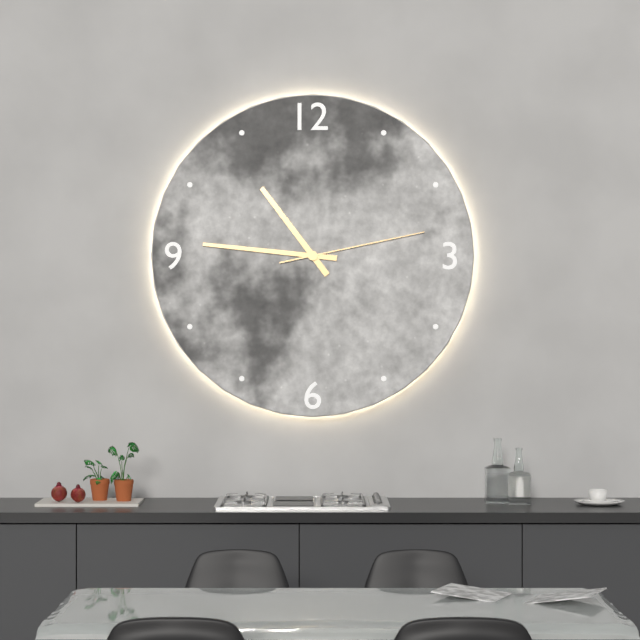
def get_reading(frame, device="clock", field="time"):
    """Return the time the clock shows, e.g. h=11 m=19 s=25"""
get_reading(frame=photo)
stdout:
h=10 m=46 s=13
